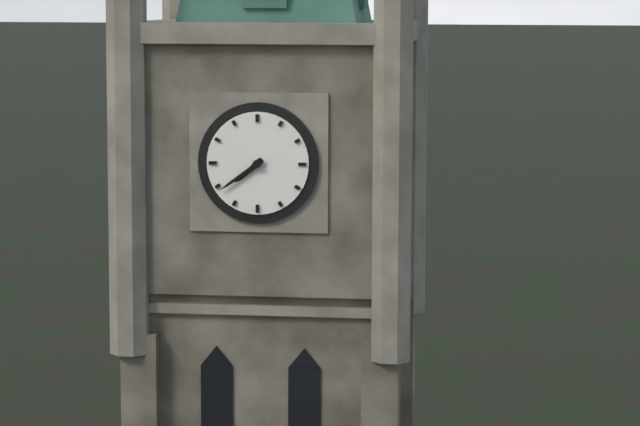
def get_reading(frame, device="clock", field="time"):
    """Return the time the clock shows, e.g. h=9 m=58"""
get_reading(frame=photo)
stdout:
h=7 m=39
